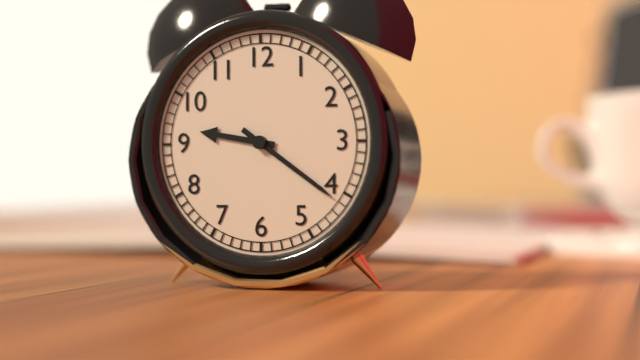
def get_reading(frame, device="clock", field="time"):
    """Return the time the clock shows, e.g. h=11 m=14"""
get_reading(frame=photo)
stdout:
h=9 m=21
